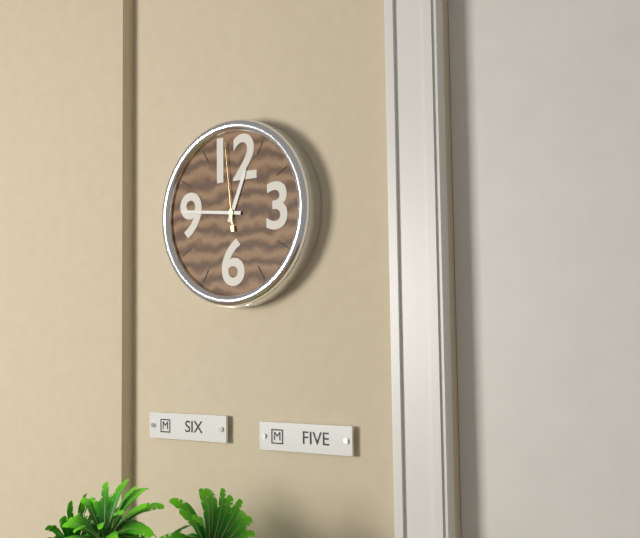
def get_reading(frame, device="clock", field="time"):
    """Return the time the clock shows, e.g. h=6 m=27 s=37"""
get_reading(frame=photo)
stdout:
h=12 m=46 s=59
